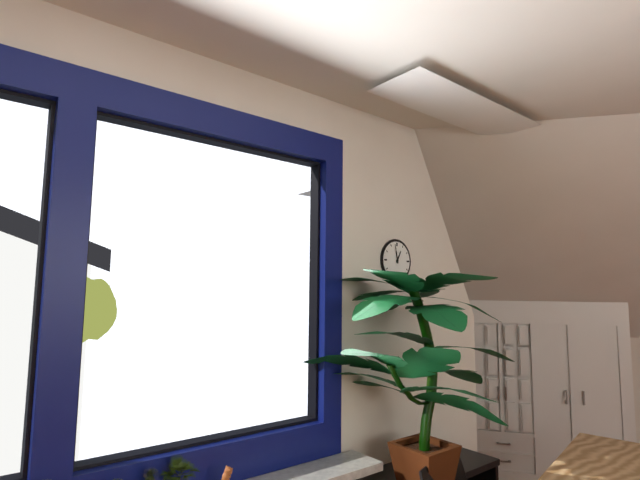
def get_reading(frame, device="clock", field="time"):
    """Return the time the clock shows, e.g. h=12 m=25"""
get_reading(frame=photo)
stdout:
h=12 m=58
